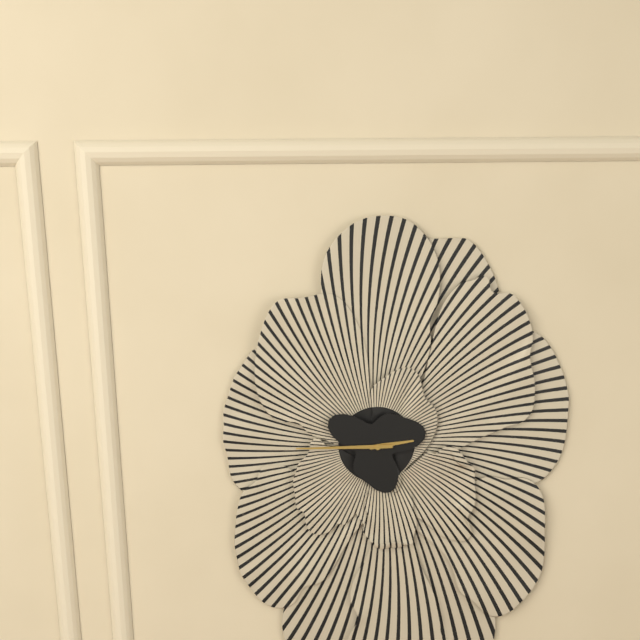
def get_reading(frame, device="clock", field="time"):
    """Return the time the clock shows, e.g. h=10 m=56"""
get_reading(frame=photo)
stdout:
h=2 m=45
